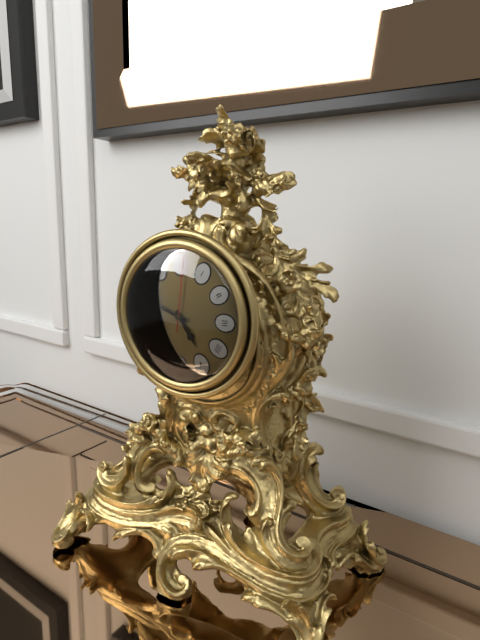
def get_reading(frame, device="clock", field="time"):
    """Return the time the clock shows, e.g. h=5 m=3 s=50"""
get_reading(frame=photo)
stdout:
h=4 m=48 s=1
